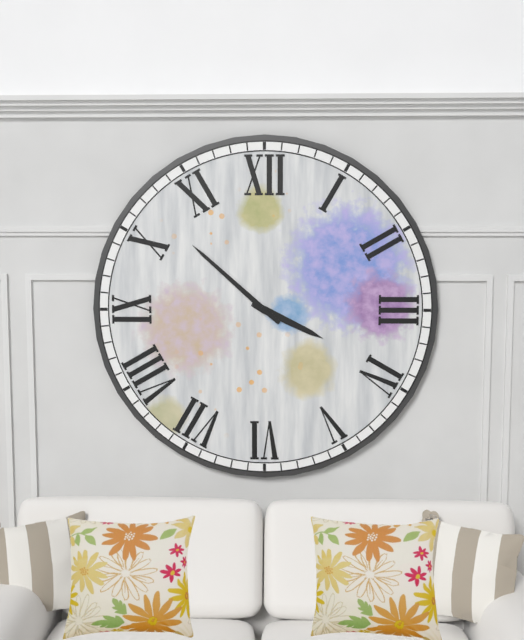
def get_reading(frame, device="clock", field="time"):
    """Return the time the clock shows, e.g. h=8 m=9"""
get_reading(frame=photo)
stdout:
h=3 m=52
